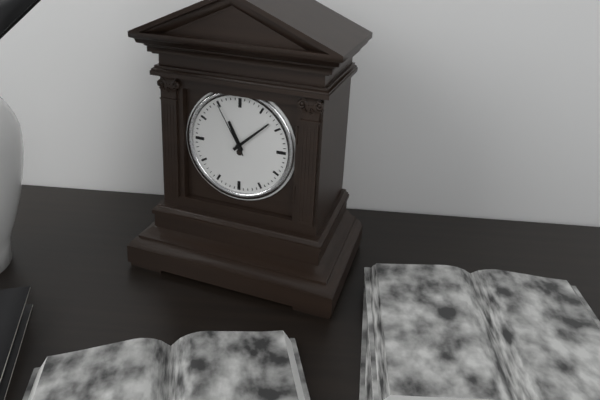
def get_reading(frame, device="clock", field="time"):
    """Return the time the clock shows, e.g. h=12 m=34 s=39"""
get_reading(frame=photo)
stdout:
h=11 m=8 s=55
